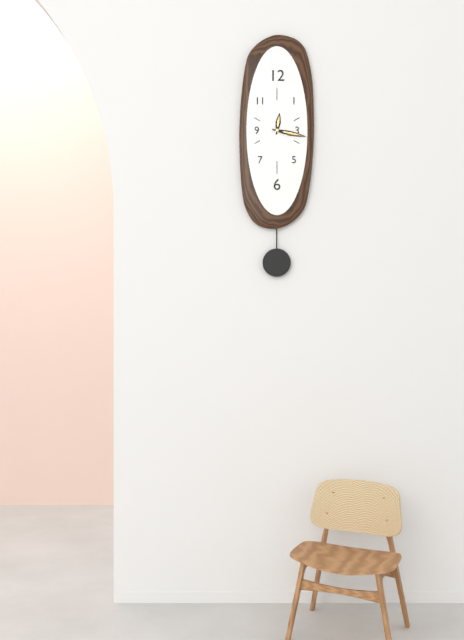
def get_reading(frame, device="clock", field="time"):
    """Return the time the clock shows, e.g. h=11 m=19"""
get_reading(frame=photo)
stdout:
h=12 m=17
